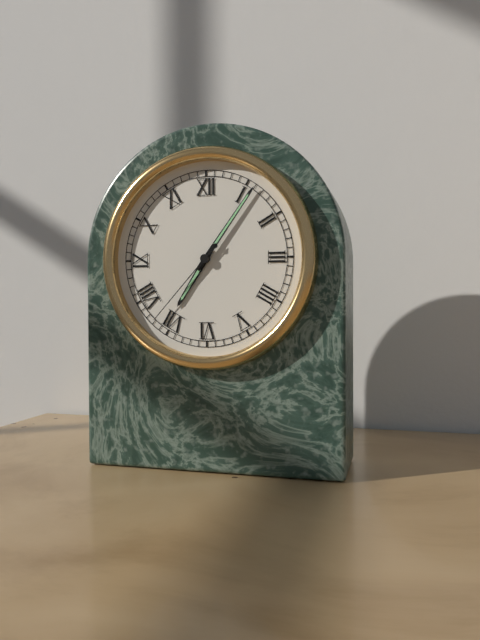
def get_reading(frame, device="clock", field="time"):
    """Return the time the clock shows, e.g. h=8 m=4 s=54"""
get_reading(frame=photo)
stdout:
h=7 m=6 s=37
